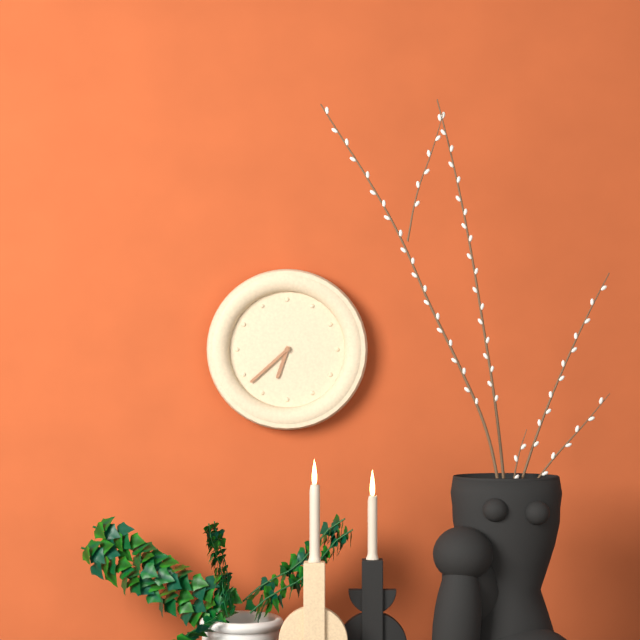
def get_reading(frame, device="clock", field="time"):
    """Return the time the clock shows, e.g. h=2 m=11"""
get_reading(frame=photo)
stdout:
h=6 m=38
